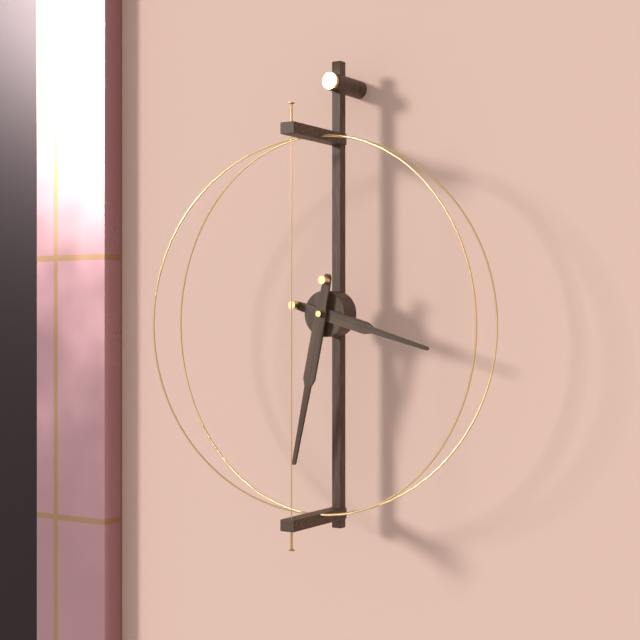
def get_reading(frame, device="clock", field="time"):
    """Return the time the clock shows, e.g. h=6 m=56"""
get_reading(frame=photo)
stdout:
h=3 m=32
